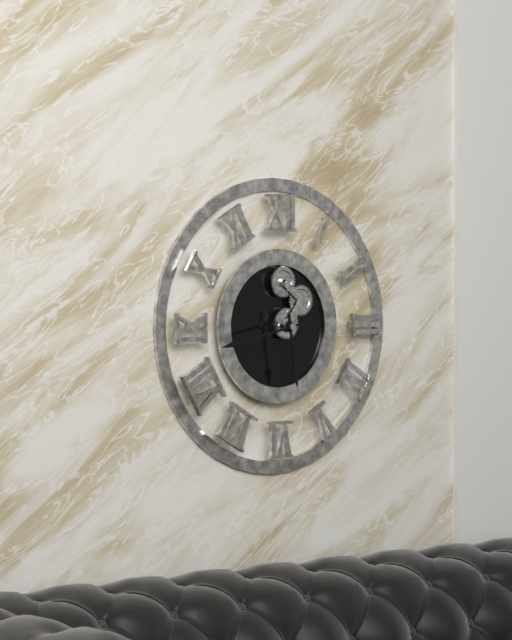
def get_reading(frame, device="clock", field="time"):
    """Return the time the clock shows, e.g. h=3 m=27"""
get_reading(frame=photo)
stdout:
h=5 m=43
